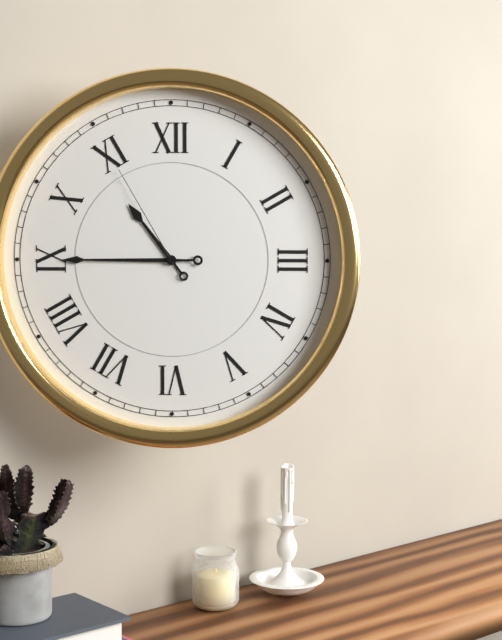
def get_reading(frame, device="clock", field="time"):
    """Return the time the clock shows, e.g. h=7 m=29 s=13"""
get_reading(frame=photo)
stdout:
h=10 m=45 s=55
